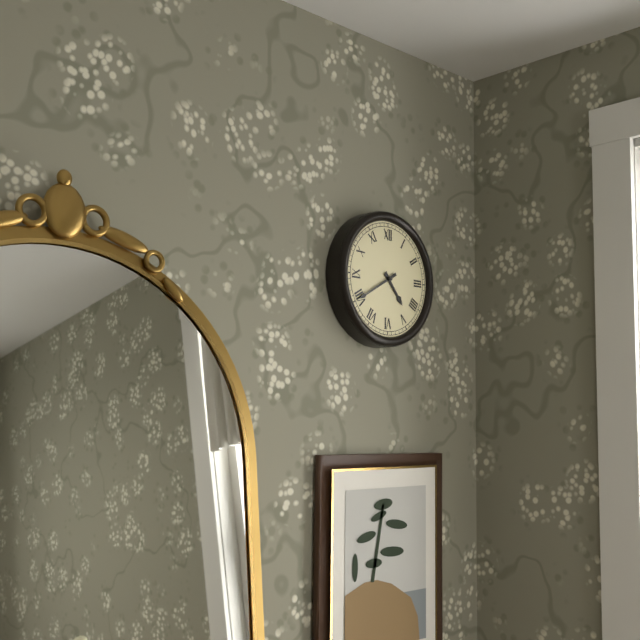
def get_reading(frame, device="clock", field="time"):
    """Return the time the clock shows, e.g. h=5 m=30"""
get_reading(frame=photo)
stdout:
h=4 m=40
